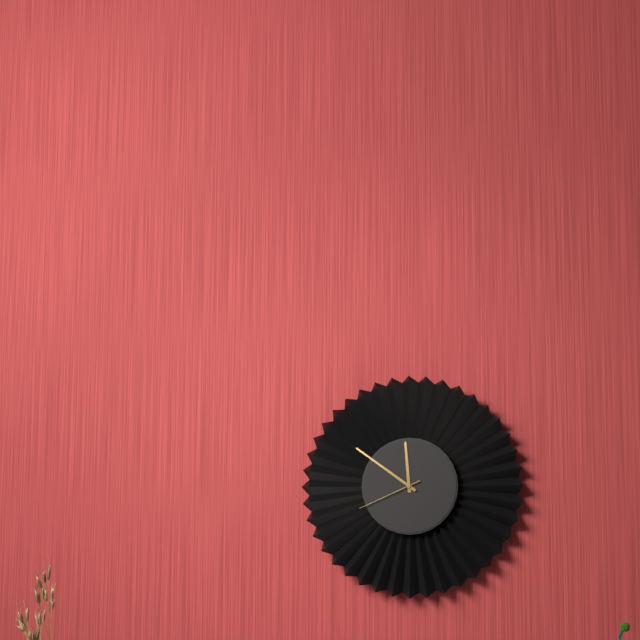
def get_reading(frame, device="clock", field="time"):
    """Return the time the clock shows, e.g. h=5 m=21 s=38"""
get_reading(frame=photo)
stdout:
h=11 m=51 s=41
